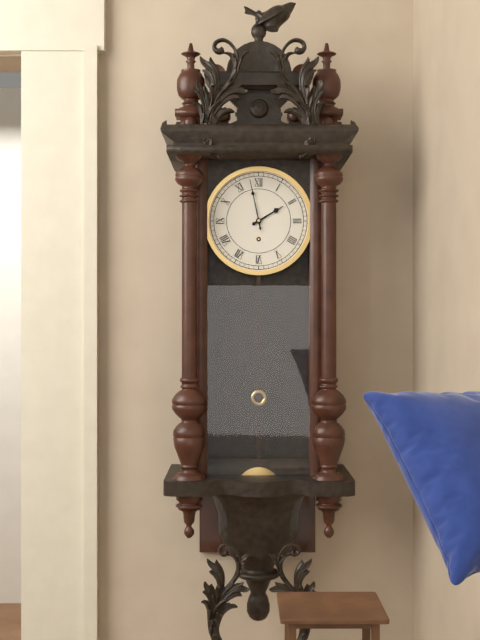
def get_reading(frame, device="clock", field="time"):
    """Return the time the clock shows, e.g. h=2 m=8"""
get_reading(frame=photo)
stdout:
h=1 m=58
